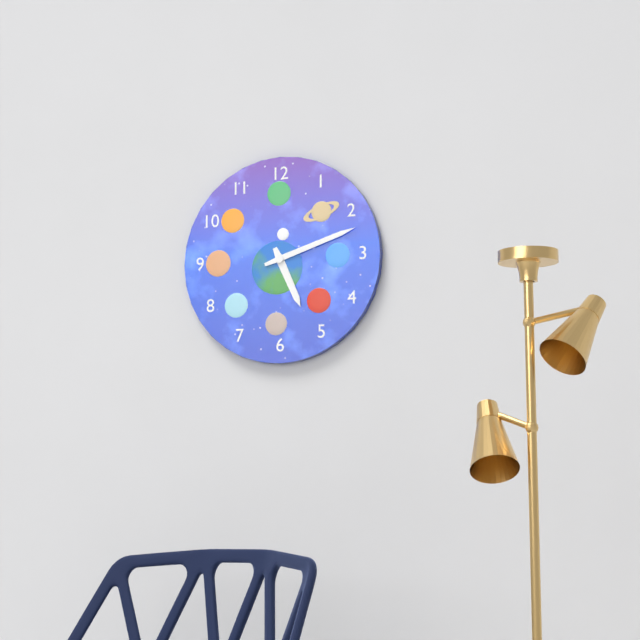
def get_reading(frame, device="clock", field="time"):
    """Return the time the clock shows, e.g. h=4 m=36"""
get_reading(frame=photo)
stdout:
h=5 m=12
